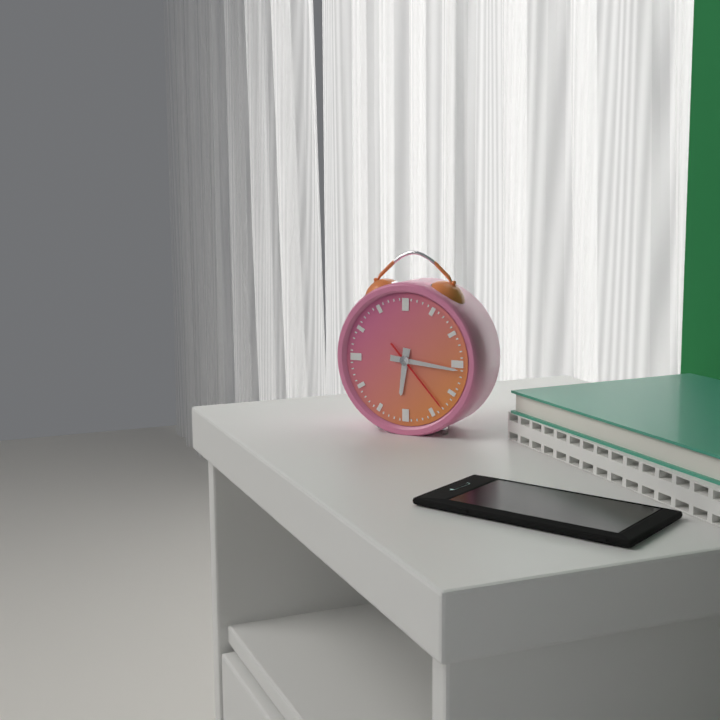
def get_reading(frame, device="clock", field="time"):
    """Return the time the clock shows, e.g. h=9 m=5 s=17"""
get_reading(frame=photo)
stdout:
h=6 m=16 s=23
